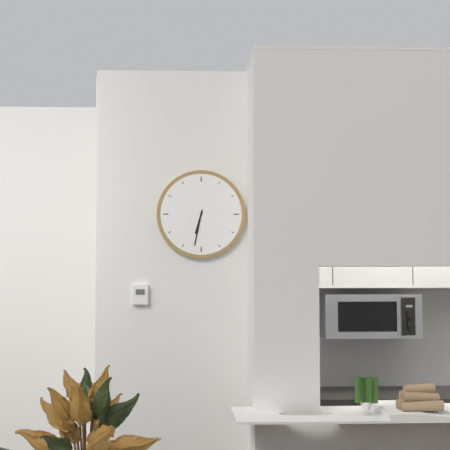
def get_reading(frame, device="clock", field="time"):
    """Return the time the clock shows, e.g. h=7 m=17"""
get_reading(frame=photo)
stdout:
h=6 m=32
